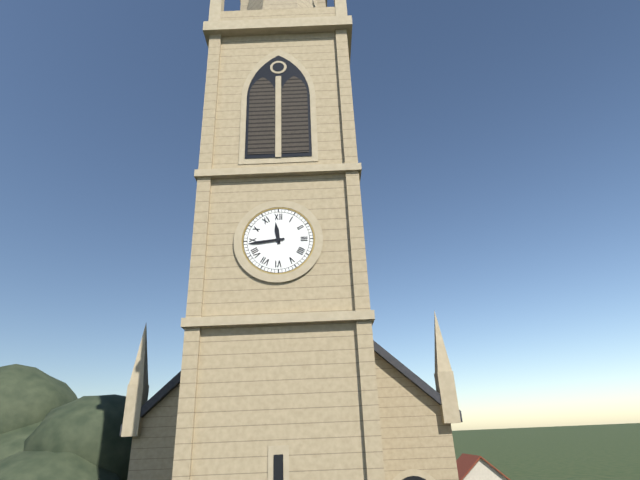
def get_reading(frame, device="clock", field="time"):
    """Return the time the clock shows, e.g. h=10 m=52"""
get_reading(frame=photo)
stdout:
h=11 m=44
